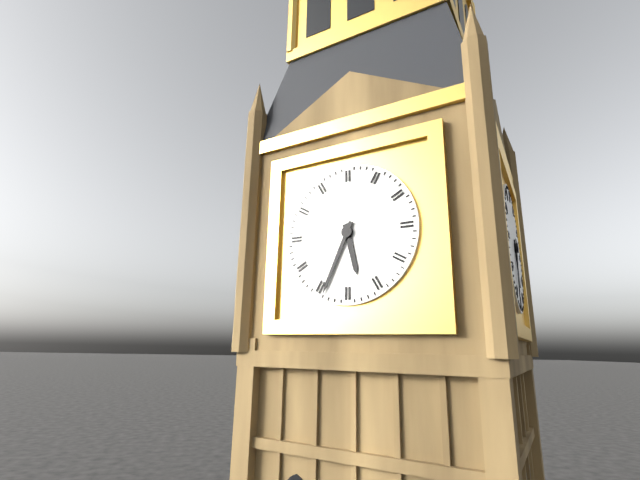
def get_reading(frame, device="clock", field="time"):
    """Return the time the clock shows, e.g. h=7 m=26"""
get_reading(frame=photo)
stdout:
h=5 m=34
